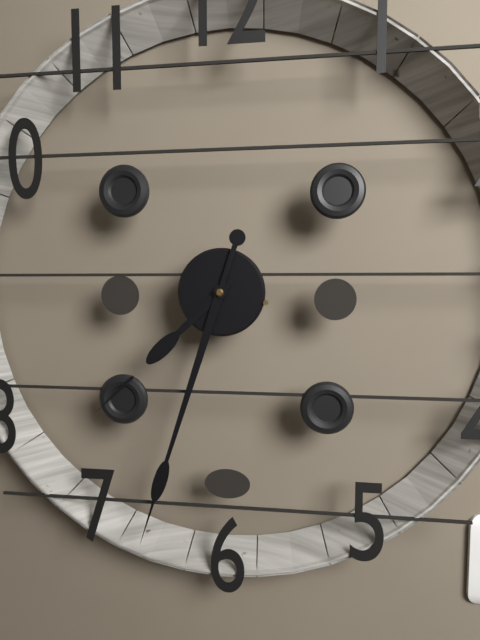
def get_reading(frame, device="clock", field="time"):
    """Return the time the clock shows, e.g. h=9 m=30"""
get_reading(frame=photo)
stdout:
h=7 m=33
